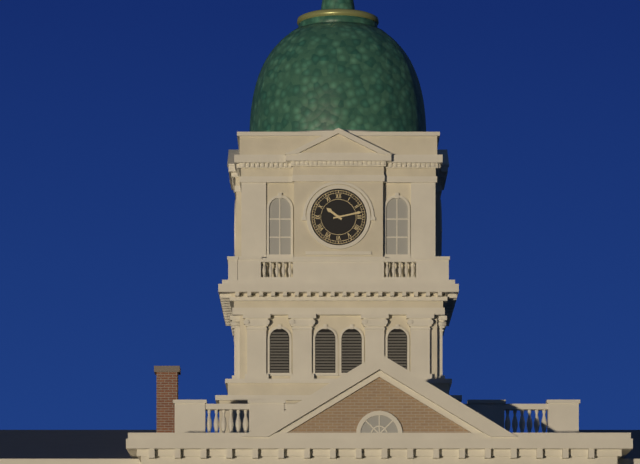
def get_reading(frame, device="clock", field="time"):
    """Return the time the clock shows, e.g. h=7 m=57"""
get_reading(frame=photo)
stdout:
h=10 m=13
